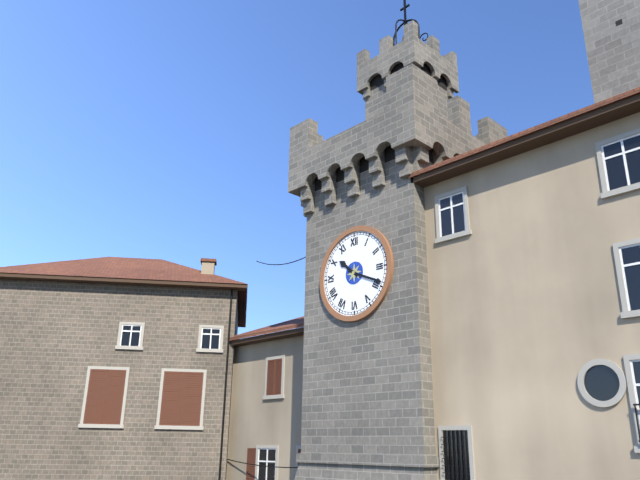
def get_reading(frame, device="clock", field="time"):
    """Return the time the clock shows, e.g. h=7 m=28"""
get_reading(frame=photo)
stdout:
h=10 m=19
